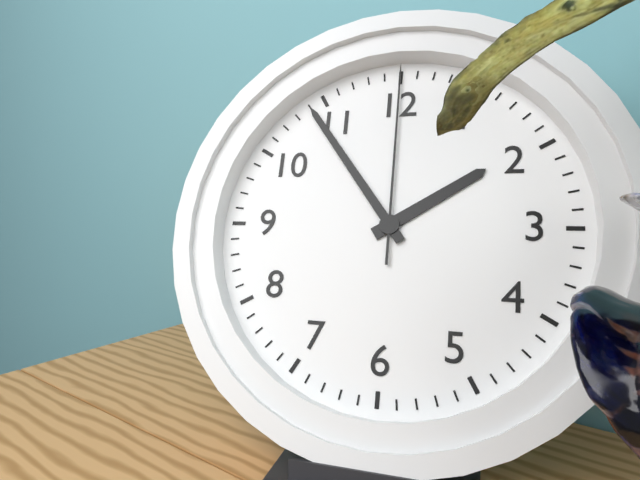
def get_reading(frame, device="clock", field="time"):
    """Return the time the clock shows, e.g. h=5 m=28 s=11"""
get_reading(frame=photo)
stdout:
h=1 m=54 s=0
